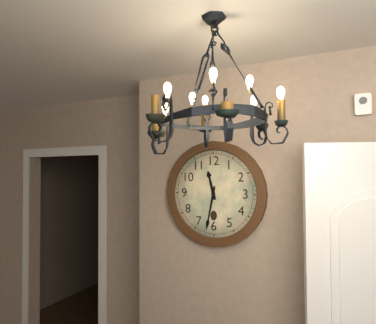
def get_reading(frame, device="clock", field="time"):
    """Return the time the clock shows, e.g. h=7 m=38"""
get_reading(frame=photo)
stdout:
h=11 m=32
